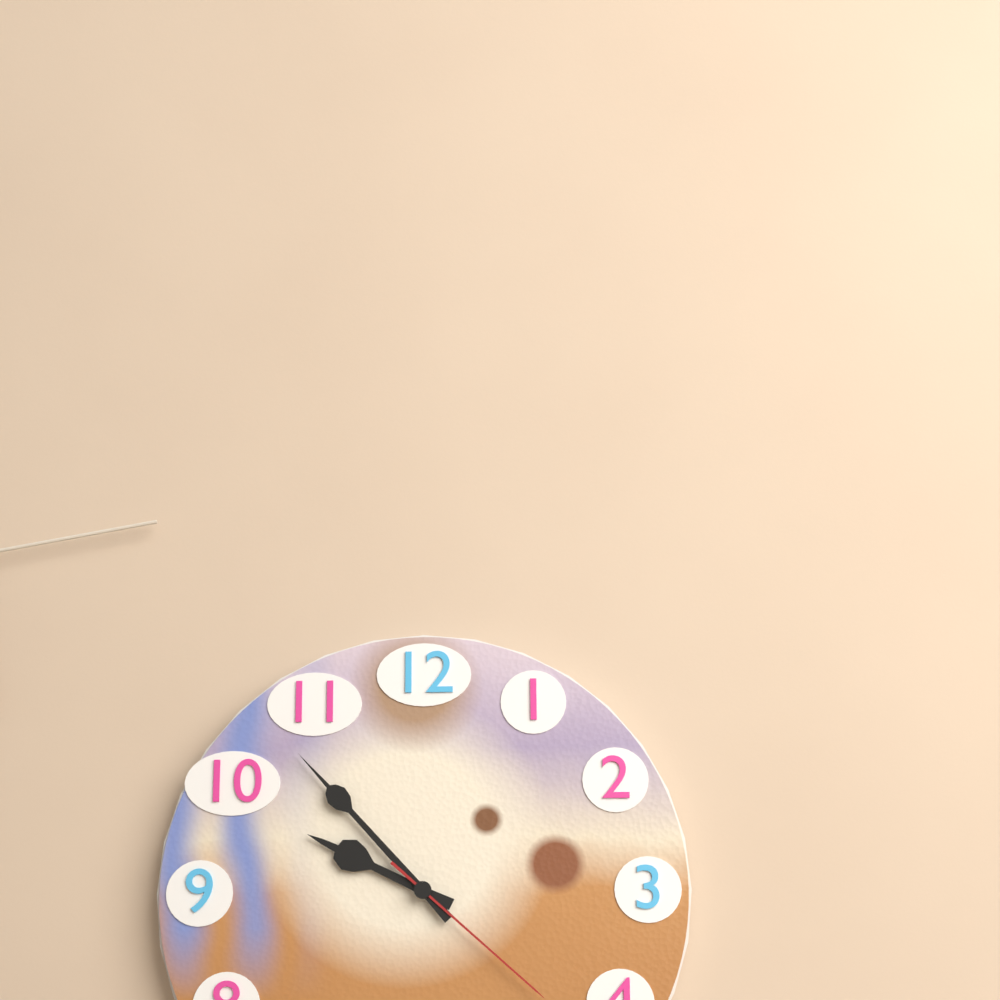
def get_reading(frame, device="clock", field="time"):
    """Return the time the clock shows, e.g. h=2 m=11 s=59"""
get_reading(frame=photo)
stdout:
h=9 m=53 s=22
